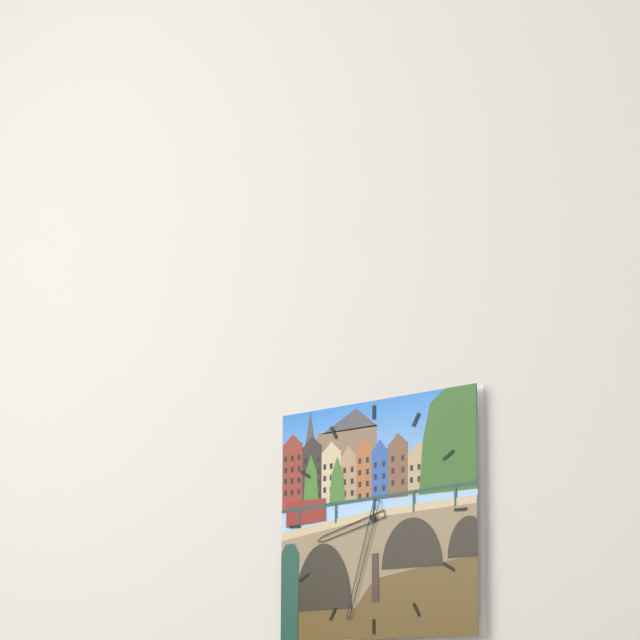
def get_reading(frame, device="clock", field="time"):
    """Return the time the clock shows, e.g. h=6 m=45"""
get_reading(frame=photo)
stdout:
h=8 m=33
